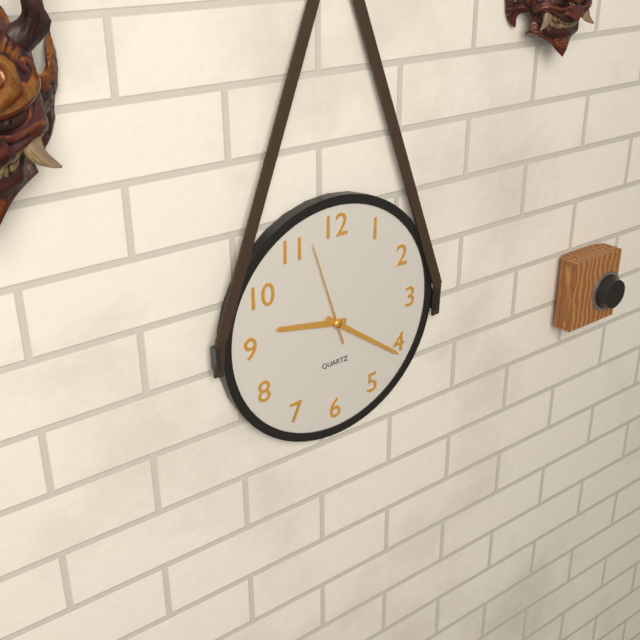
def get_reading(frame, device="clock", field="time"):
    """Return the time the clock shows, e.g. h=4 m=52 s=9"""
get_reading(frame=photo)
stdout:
h=9 m=21 s=57
